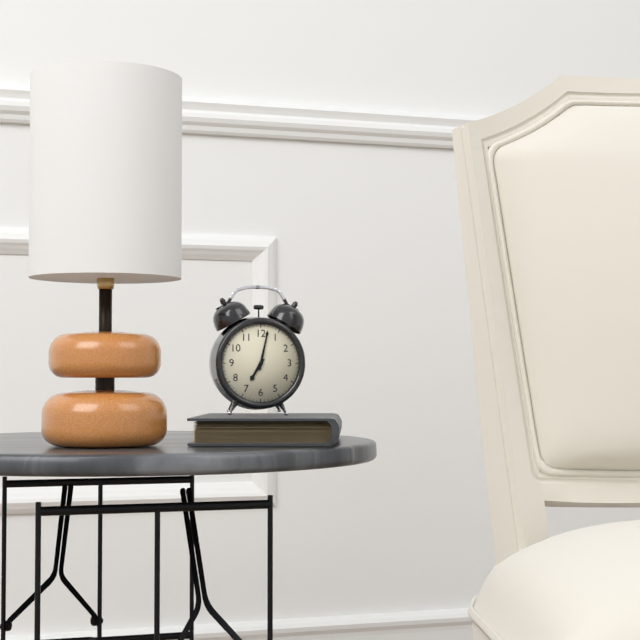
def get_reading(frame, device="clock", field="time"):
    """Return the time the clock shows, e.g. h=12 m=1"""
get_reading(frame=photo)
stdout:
h=7 m=2
